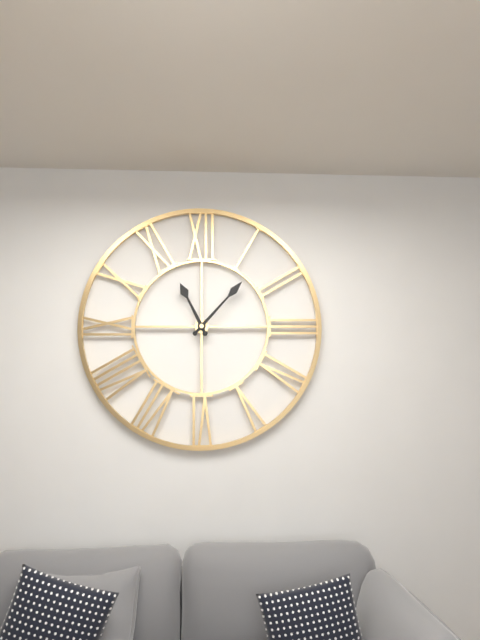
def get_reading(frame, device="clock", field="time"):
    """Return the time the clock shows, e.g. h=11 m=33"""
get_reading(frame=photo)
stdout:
h=11 m=7
